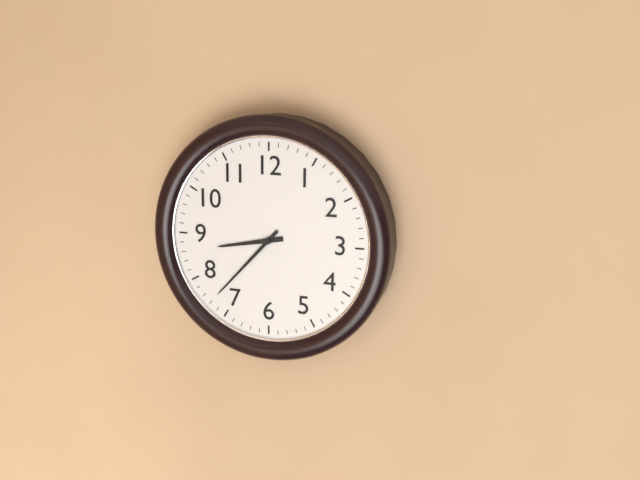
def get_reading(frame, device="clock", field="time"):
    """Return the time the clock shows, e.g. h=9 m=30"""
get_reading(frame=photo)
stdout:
h=8 m=37
